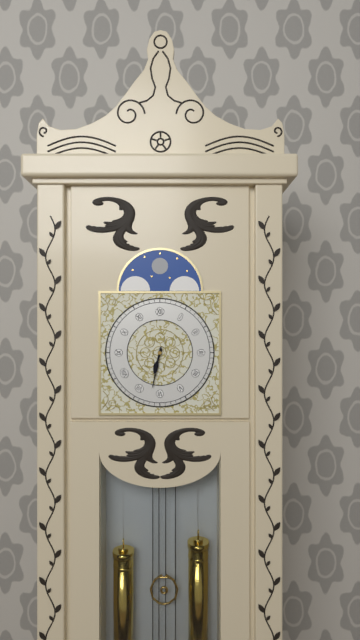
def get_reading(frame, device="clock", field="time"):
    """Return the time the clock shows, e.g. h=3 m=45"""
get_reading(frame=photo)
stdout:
h=6 m=32
